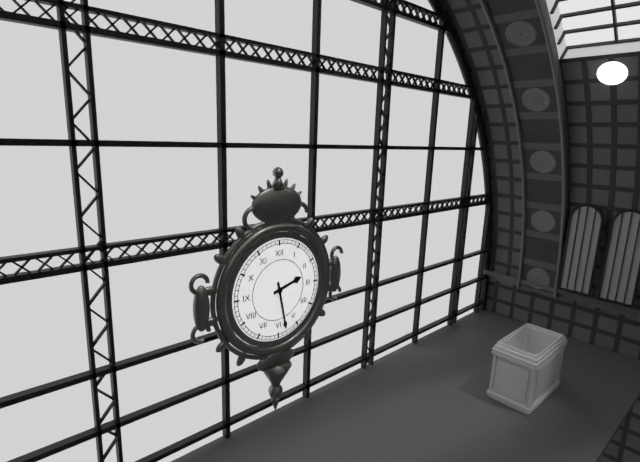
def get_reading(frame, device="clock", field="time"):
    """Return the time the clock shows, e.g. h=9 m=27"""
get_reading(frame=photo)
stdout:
h=2 m=28
